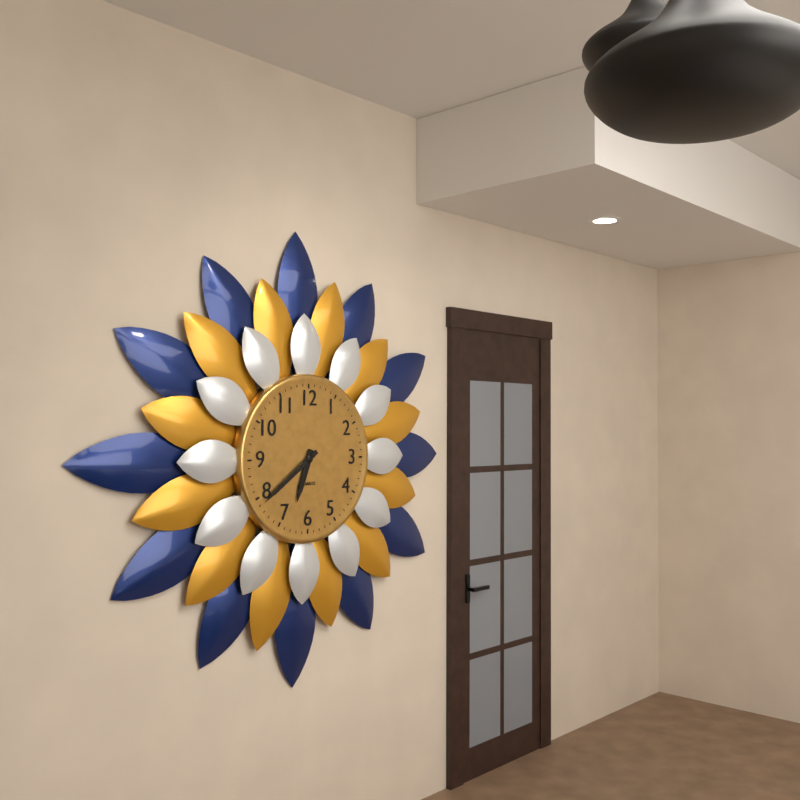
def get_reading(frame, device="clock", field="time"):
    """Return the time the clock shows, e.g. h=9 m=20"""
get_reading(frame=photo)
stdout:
h=6 m=39
